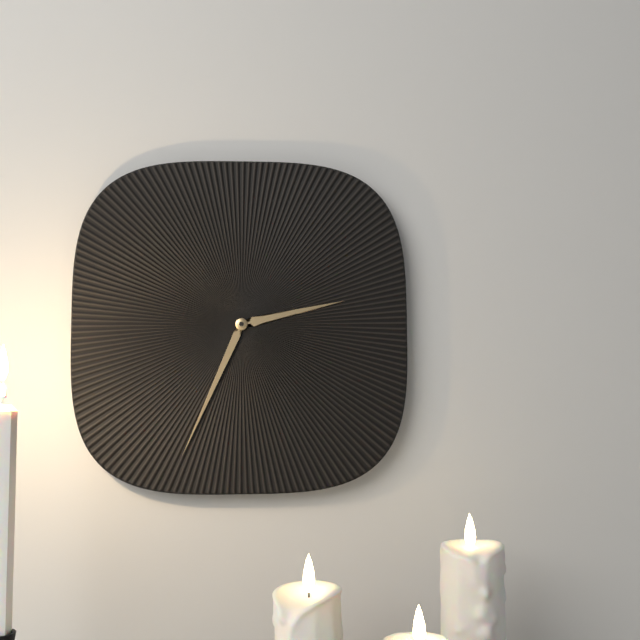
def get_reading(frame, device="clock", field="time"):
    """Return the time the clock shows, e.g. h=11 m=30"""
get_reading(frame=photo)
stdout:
h=2 m=34
